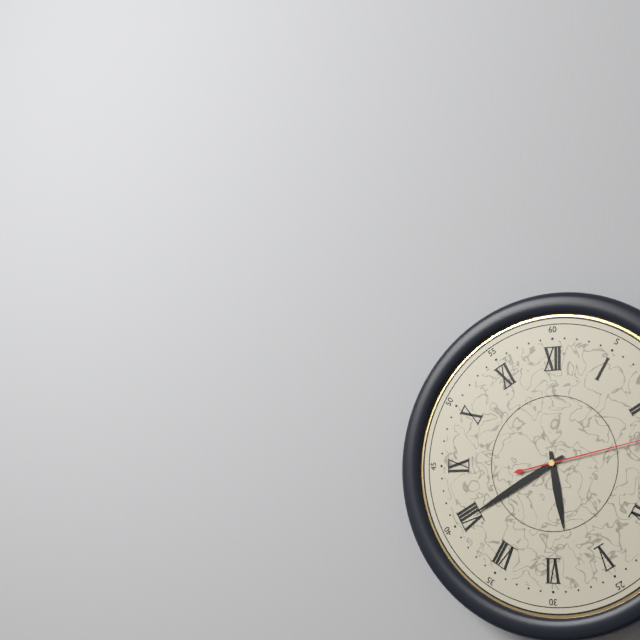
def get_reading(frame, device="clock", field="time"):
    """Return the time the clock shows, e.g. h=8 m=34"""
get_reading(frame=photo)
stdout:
h=5 m=40
